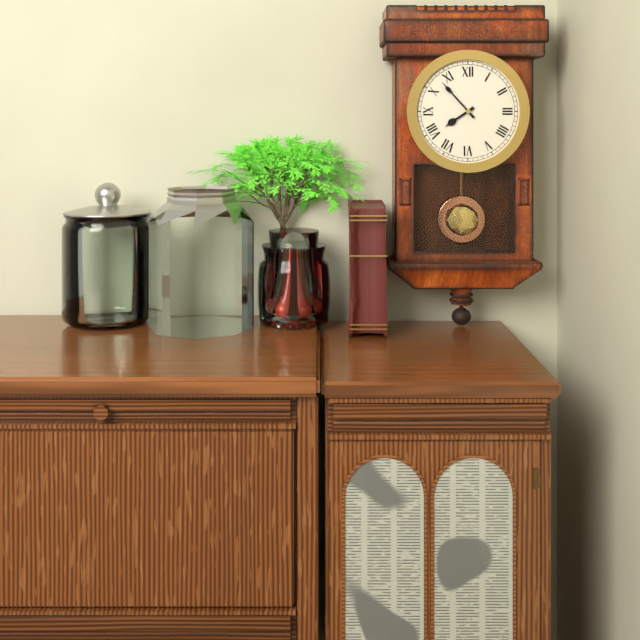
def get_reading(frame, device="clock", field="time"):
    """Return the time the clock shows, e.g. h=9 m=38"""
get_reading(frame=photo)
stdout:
h=7 m=53
